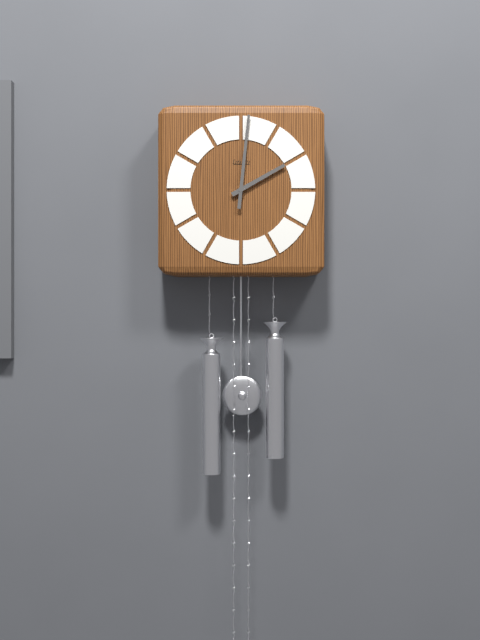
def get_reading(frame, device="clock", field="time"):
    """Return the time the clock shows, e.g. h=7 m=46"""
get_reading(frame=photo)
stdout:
h=2 m=1
